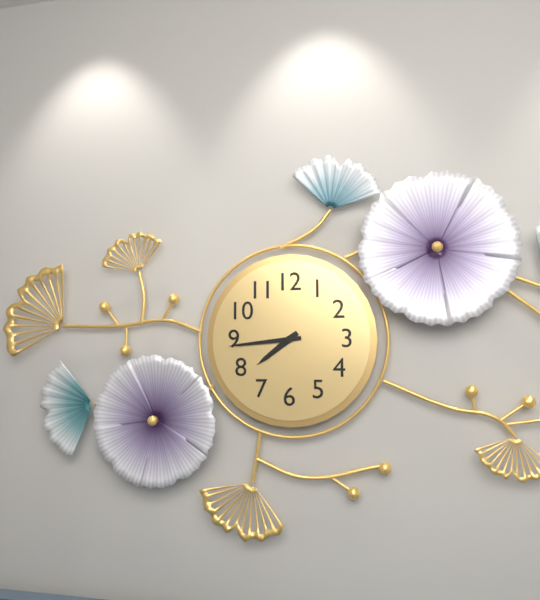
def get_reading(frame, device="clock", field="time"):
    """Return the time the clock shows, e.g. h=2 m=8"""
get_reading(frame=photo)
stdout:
h=7 m=44
